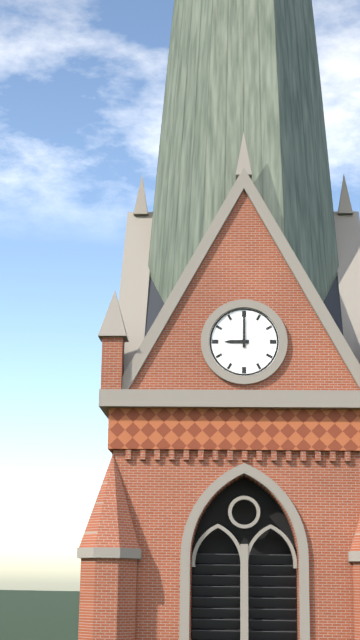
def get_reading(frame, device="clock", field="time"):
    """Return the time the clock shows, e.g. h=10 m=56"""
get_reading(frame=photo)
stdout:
h=9 m=0
